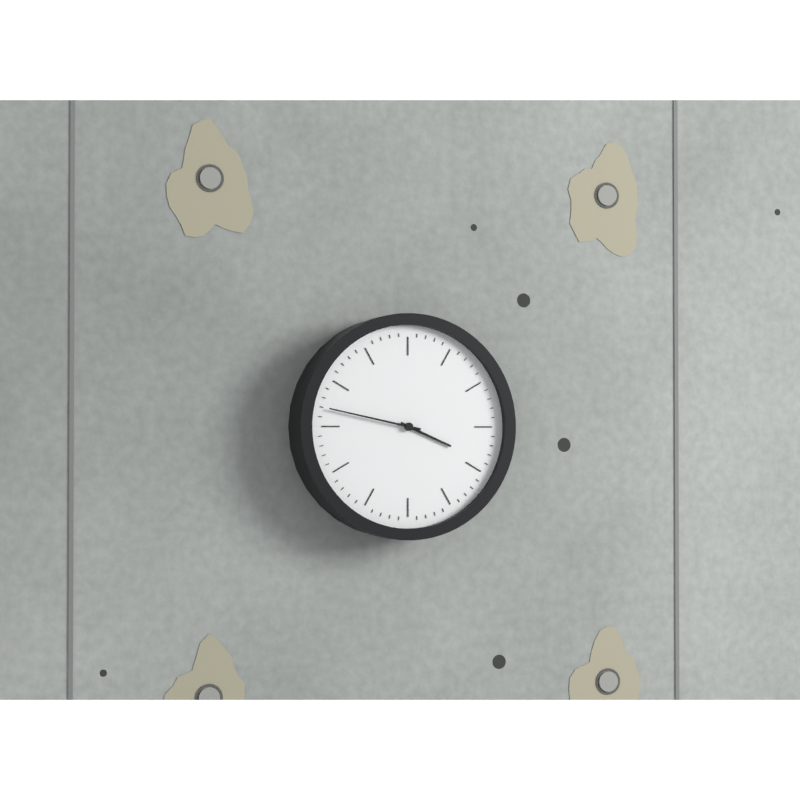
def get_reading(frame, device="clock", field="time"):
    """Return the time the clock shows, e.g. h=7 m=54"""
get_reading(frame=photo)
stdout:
h=3 m=47
